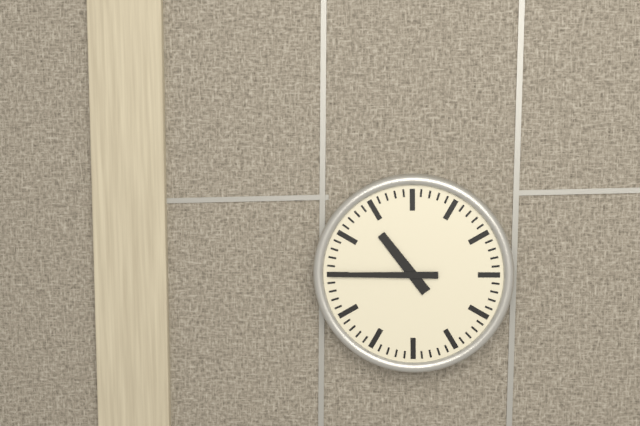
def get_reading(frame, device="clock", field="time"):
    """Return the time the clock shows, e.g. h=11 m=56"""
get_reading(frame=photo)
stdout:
h=10 m=45
